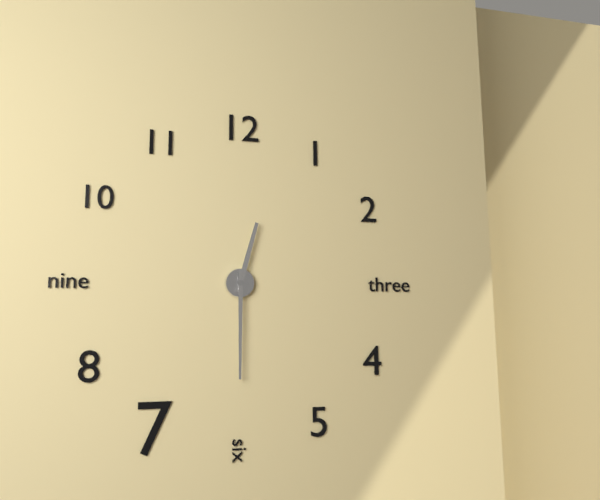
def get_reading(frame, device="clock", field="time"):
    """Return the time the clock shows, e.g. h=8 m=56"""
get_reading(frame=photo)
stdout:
h=12 m=30
